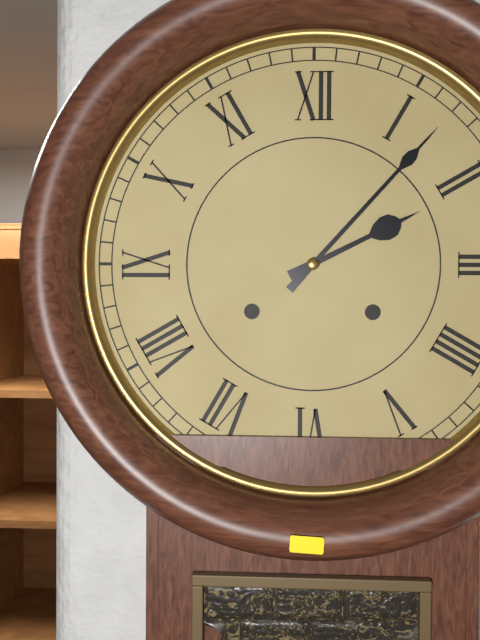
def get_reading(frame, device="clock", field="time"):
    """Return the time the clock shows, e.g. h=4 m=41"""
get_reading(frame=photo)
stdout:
h=2 m=7
